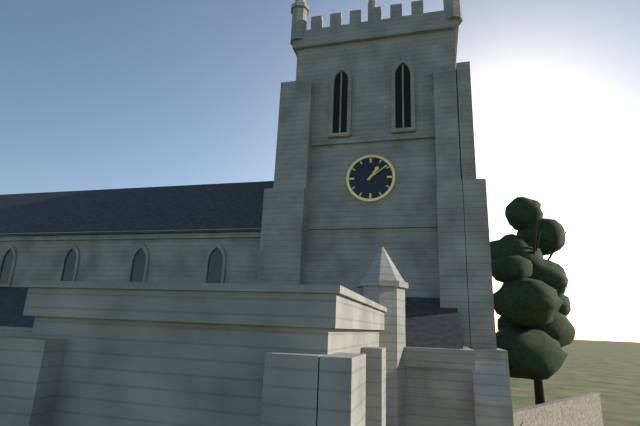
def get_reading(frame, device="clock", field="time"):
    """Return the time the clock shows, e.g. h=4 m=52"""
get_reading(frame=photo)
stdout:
h=1 m=9
